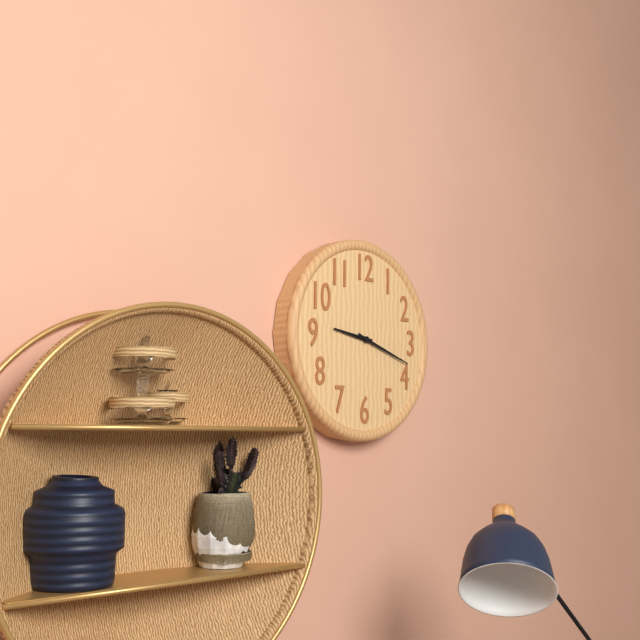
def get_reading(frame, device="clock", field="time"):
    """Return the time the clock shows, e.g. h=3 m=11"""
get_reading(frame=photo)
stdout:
h=9 m=18
